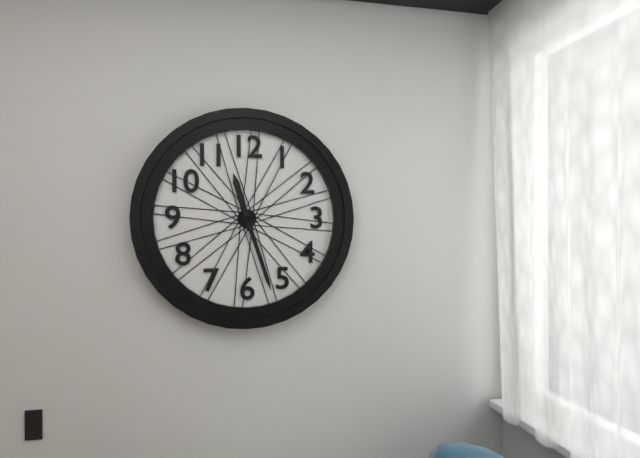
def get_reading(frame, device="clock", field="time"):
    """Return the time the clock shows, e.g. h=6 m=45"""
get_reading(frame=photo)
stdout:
h=11 m=27
